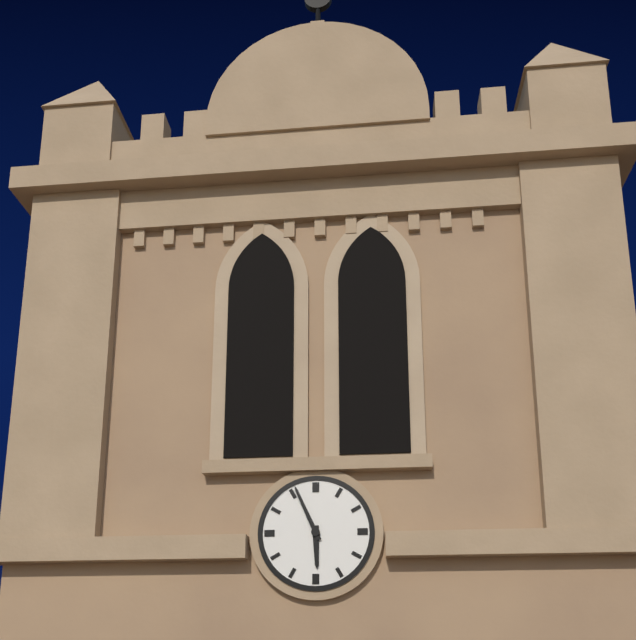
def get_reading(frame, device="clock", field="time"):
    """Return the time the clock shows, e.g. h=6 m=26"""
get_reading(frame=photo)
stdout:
h=5 m=56
